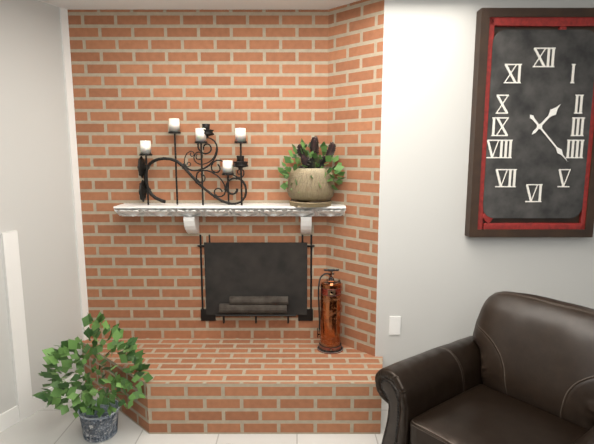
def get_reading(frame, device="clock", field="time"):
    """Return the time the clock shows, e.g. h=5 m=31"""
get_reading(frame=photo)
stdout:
h=1 m=23
